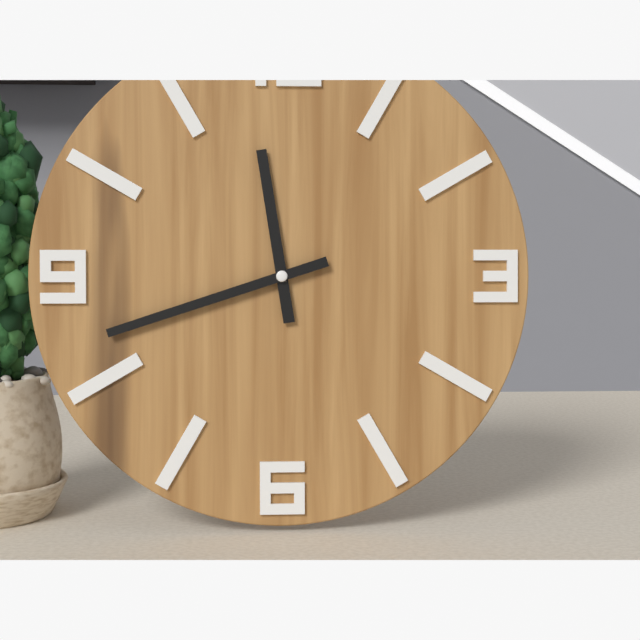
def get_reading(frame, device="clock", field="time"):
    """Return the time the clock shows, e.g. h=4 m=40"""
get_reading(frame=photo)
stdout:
h=11 m=42
